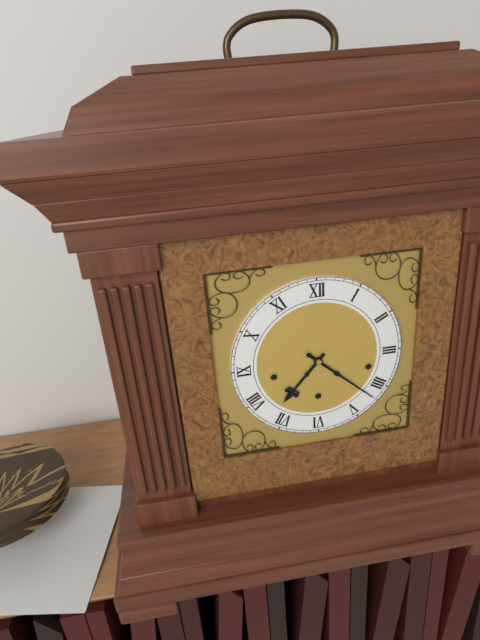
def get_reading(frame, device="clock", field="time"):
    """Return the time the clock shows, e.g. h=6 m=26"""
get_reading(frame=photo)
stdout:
h=7 m=22
